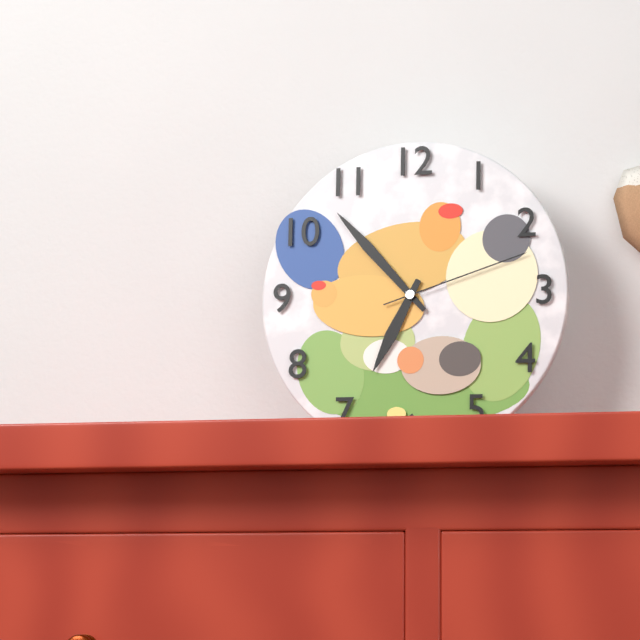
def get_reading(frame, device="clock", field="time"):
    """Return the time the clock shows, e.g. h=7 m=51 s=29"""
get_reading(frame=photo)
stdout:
h=6 m=53 s=12
